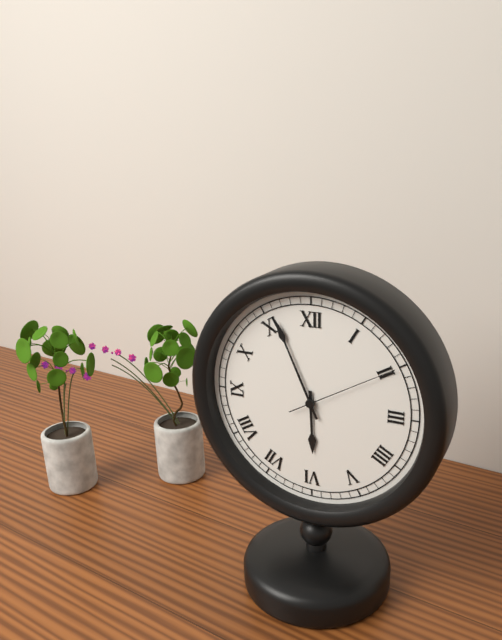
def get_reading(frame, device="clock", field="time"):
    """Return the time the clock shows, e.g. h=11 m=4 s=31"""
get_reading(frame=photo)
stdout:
h=5 m=56 s=10
